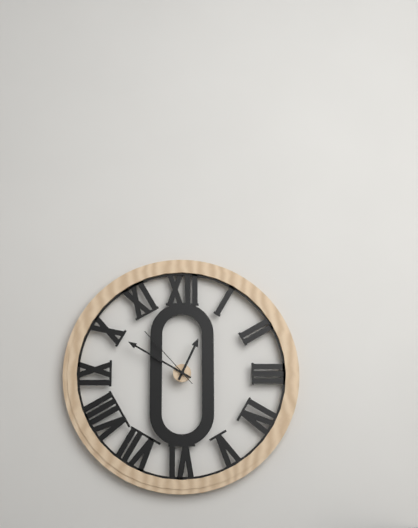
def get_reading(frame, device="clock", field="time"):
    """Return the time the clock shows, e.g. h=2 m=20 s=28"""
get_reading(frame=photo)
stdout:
h=12 m=50 s=53
